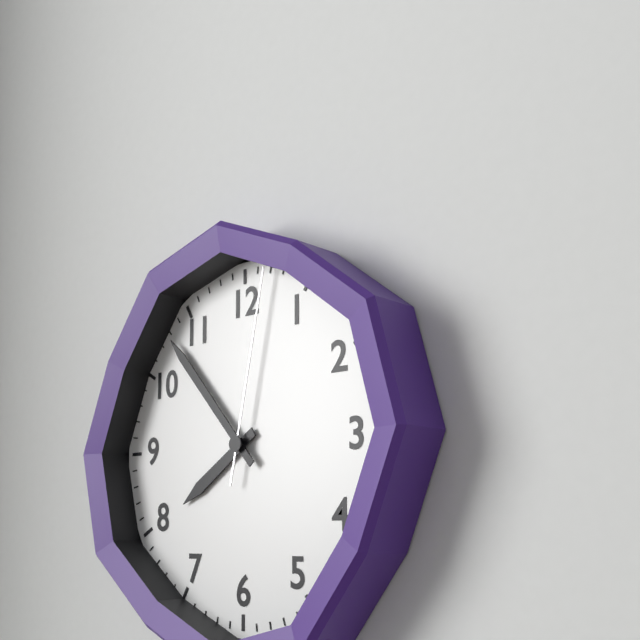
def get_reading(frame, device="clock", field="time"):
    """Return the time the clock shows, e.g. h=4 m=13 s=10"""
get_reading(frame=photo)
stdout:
h=7 m=53 s=2
